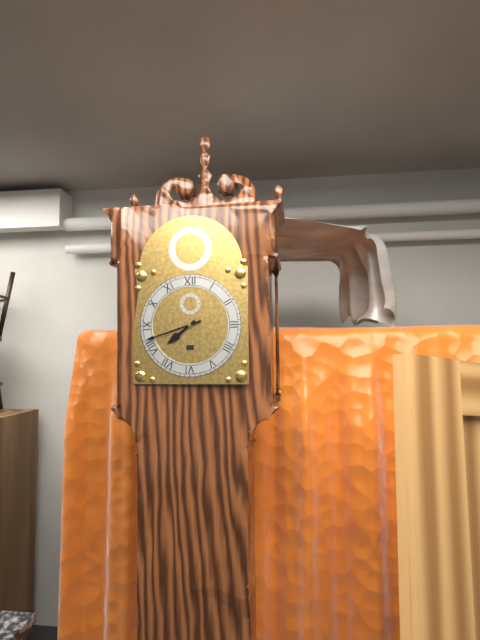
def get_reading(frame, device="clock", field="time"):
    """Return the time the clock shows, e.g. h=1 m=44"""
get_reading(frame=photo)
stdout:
h=7 m=42
